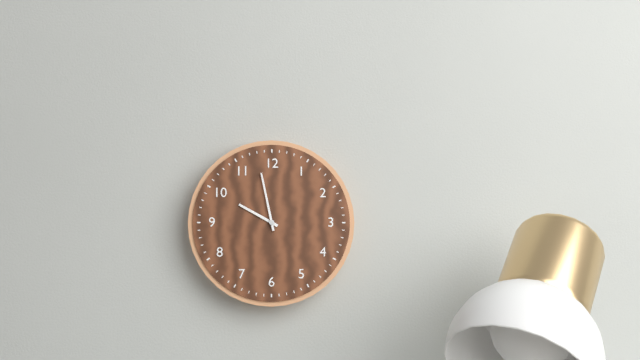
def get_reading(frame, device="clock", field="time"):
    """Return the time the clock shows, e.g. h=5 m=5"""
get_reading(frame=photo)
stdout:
h=9 m=58
